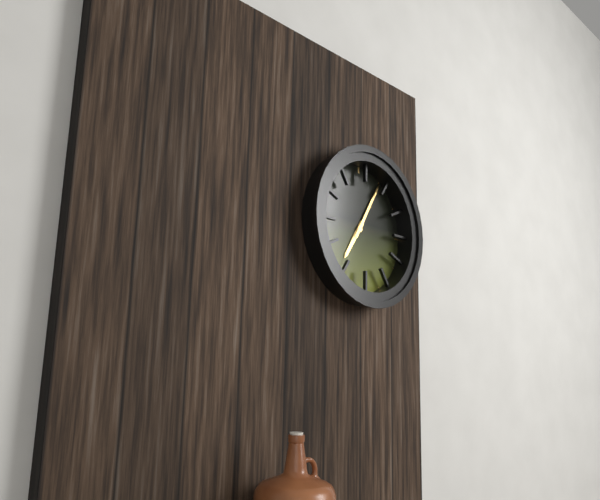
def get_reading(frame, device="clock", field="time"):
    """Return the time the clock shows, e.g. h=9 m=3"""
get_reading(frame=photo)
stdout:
h=7 m=5
